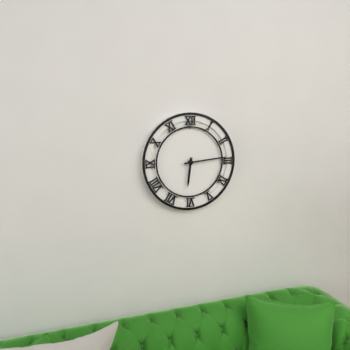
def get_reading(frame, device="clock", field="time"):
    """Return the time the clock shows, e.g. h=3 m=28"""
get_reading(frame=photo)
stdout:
h=6 m=14
